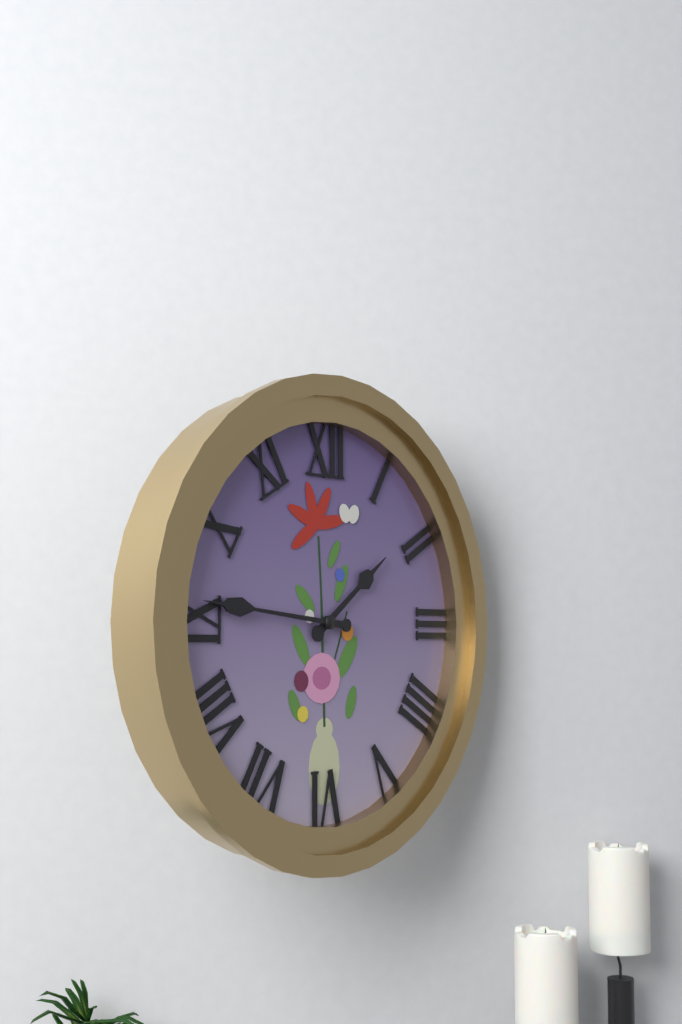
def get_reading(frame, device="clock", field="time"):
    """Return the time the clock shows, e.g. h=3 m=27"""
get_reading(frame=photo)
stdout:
h=1 m=46
